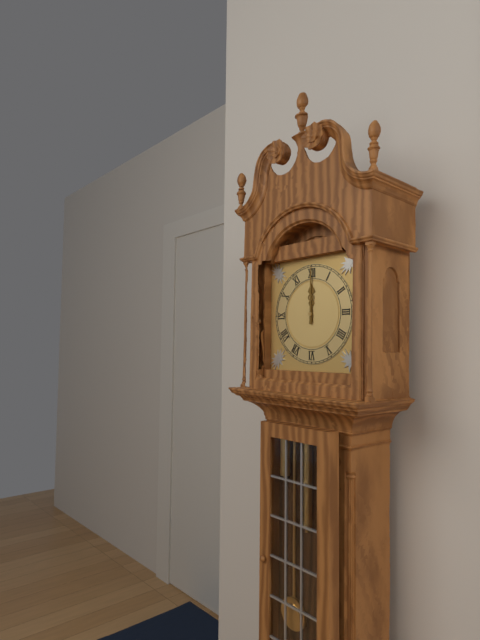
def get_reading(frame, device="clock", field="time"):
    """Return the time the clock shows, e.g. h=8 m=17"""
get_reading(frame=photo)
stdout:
h=12 m=0
